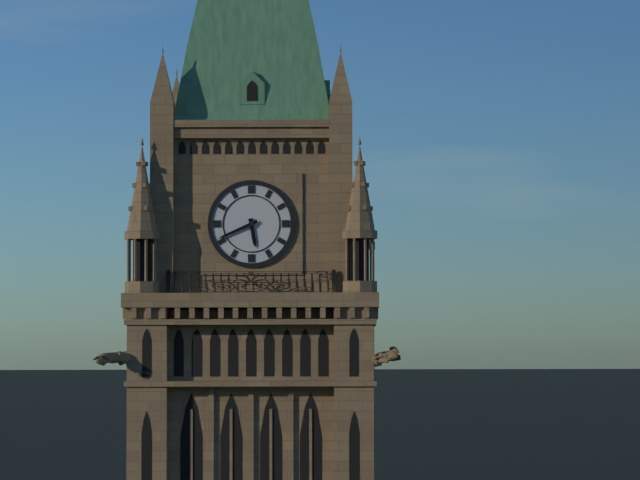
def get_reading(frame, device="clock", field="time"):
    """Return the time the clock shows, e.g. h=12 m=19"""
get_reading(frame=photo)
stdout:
h=5 m=41
